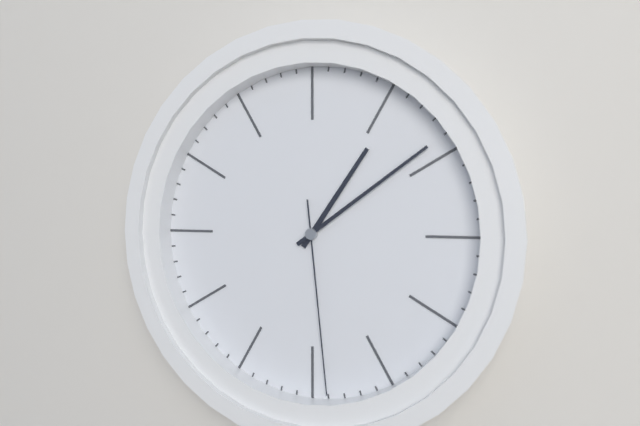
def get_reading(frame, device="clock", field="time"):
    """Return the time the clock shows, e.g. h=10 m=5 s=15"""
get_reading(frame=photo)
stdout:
h=1 m=9 s=29
